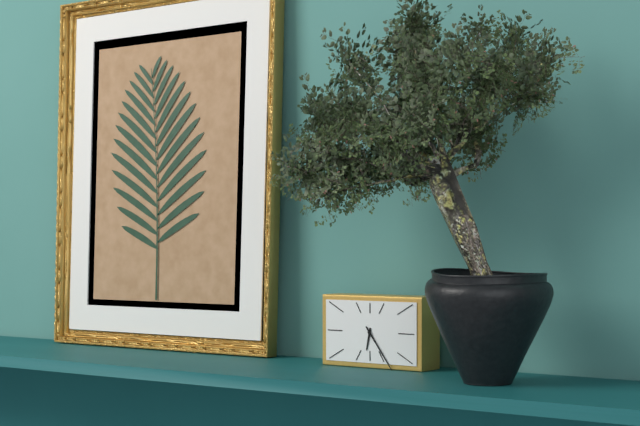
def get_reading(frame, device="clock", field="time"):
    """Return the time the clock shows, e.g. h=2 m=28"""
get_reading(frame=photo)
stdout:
h=6 m=24
